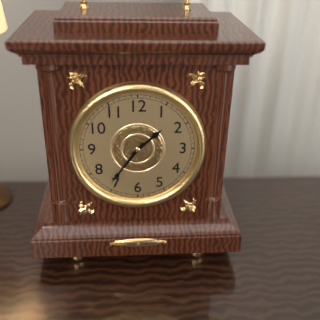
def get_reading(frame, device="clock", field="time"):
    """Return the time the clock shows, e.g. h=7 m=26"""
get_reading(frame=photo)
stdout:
h=1 m=36
